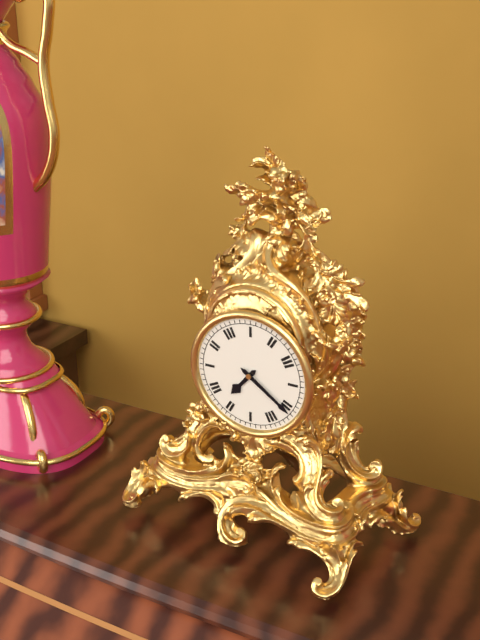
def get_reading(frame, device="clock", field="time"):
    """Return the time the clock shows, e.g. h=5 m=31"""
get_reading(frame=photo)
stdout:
h=7 m=21
